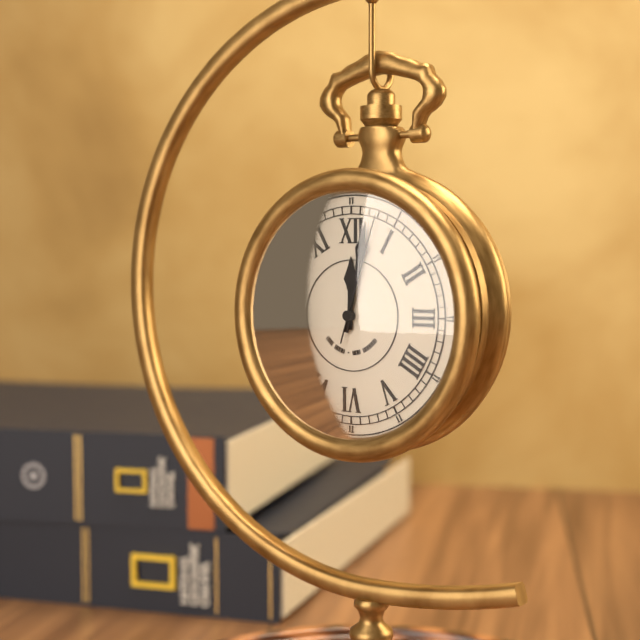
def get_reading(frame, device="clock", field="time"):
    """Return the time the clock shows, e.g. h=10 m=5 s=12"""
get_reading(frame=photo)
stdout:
h=12 m=2 s=3
